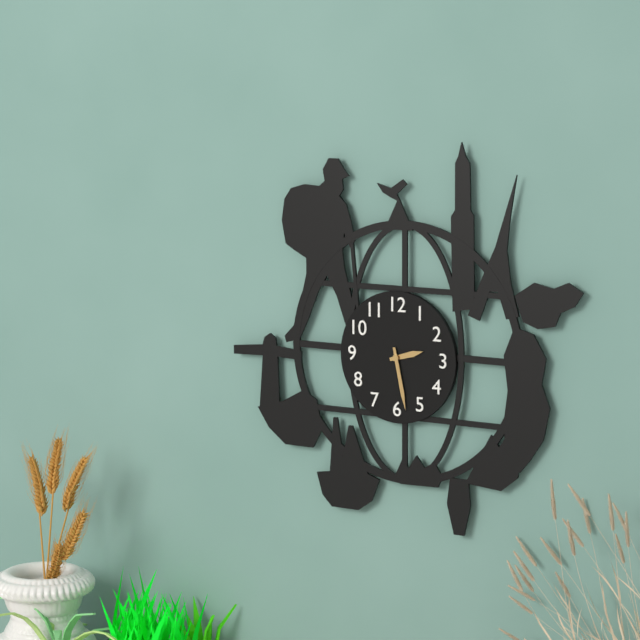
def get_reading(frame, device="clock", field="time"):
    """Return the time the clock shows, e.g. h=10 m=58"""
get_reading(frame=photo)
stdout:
h=2 m=28
